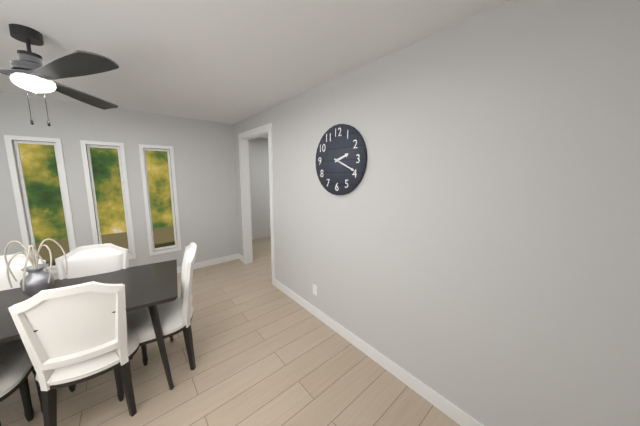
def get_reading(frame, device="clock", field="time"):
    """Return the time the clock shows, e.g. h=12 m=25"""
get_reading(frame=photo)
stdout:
h=2 m=19
